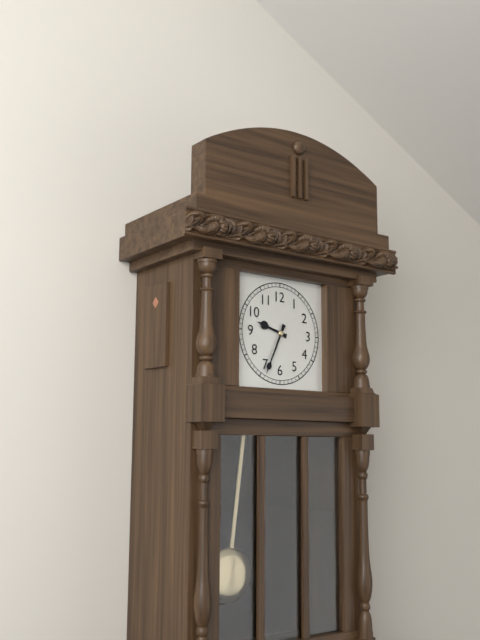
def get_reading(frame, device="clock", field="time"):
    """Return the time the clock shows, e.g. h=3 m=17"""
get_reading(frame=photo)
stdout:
h=9 m=34
